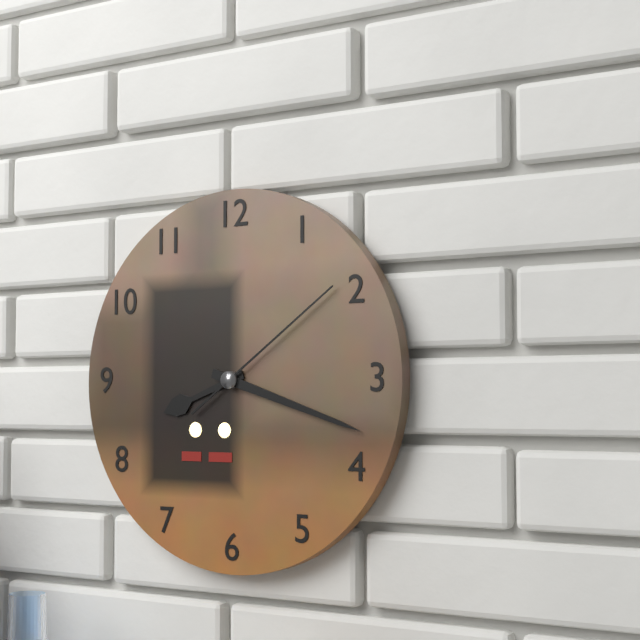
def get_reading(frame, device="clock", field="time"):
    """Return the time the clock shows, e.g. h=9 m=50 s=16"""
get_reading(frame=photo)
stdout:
h=8 m=18 s=9
